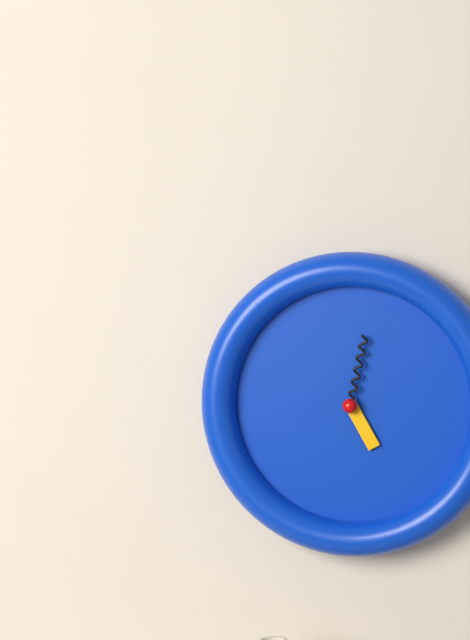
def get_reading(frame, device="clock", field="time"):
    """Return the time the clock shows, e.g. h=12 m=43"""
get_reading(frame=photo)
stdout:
h=5 m=2
